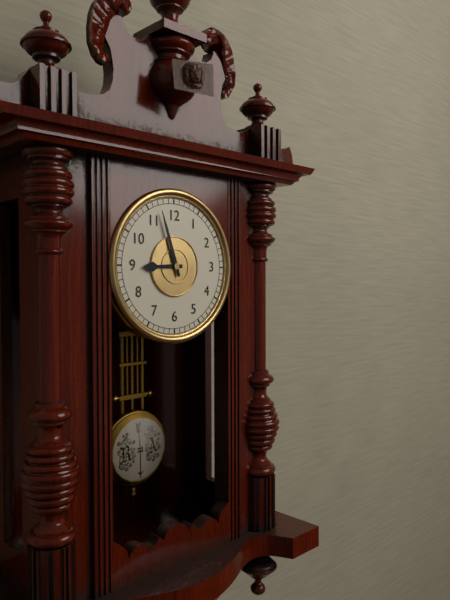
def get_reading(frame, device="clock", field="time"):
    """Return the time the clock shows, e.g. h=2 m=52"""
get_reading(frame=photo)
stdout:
h=8 m=57
